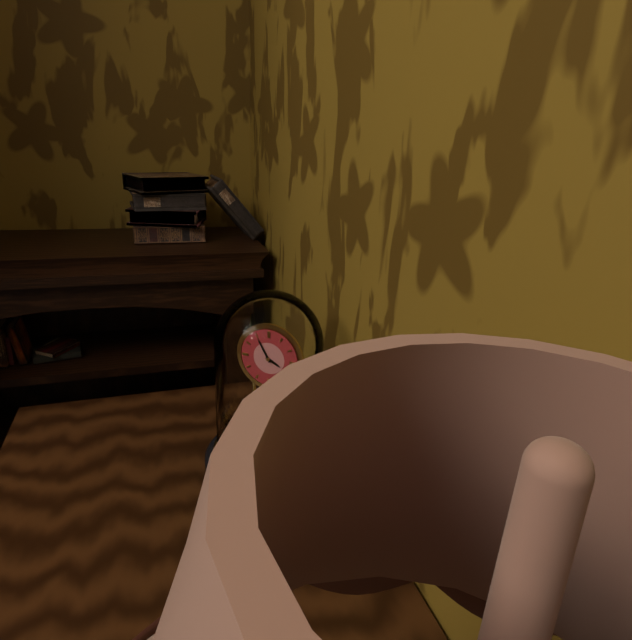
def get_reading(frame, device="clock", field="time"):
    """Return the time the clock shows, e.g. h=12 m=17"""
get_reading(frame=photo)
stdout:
h=3 m=55
